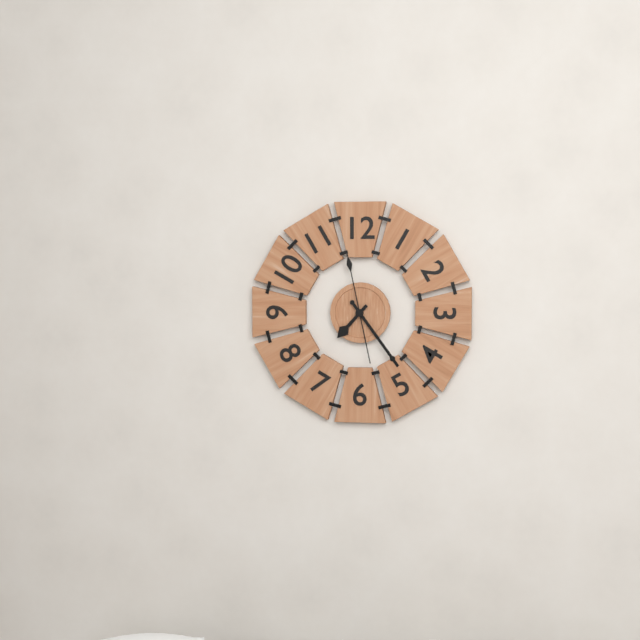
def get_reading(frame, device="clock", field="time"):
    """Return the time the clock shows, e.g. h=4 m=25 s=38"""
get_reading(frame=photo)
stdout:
h=7 m=24 s=58
